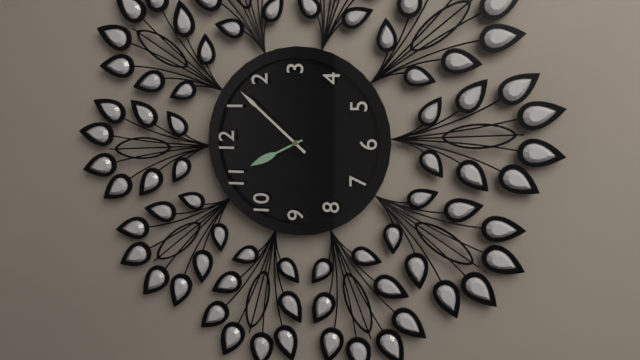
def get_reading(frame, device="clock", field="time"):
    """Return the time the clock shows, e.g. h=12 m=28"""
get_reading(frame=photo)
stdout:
h=11 m=7
